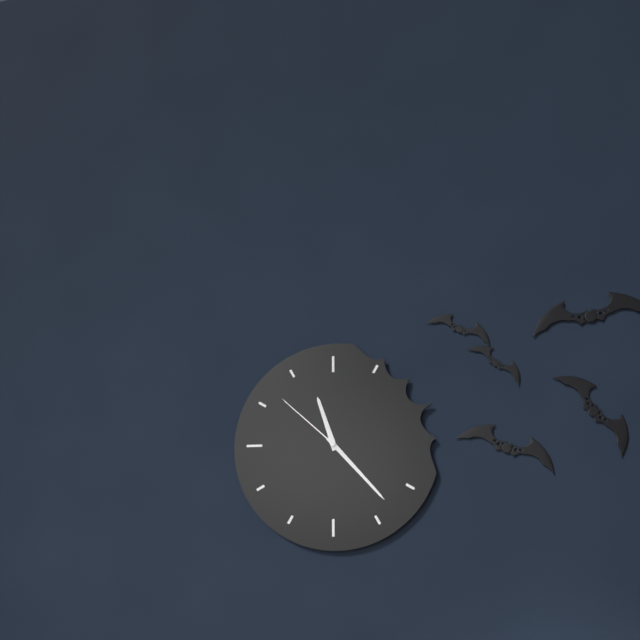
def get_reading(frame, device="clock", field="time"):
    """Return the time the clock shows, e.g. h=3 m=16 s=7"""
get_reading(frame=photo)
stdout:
h=11 m=23 s=52
